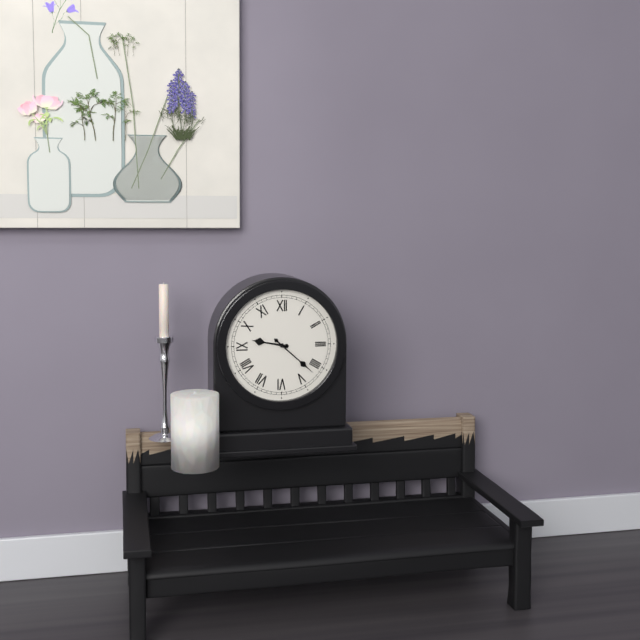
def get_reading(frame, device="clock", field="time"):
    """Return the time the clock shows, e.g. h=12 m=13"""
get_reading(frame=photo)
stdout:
h=9 m=22
